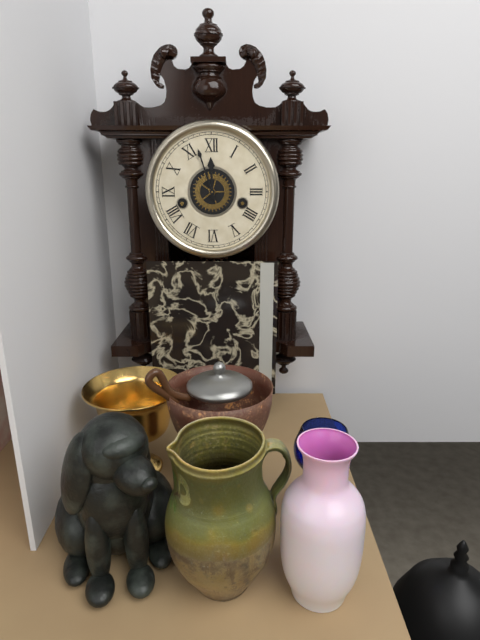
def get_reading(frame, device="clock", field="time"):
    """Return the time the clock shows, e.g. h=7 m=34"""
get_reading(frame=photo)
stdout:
h=11 m=57
